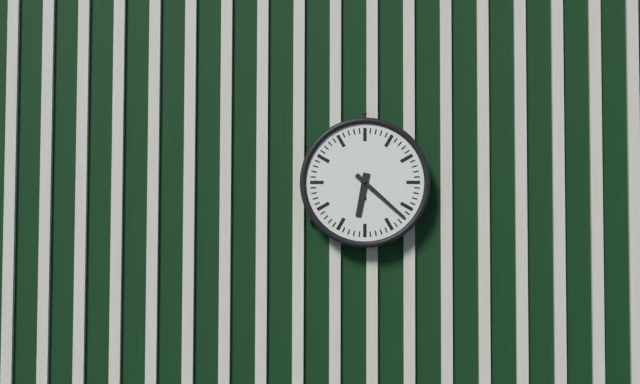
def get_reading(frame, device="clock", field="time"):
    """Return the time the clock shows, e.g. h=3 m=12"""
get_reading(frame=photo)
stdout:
h=6 m=22
